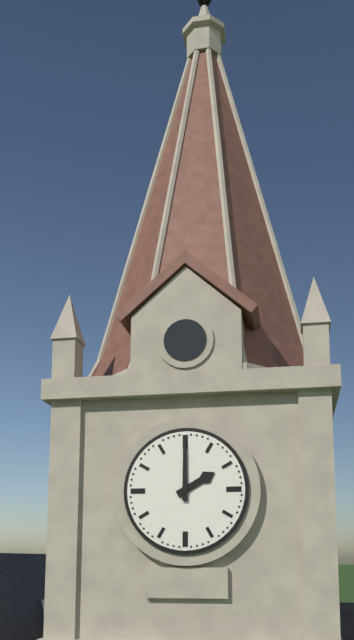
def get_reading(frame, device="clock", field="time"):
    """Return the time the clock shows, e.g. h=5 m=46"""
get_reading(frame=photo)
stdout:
h=2 m=0
